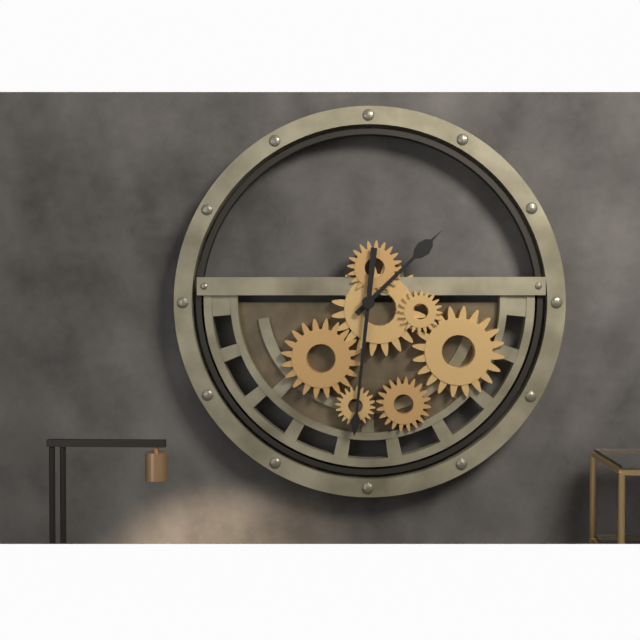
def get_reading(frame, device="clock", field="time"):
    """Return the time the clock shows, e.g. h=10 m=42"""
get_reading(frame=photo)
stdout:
h=1 m=31
